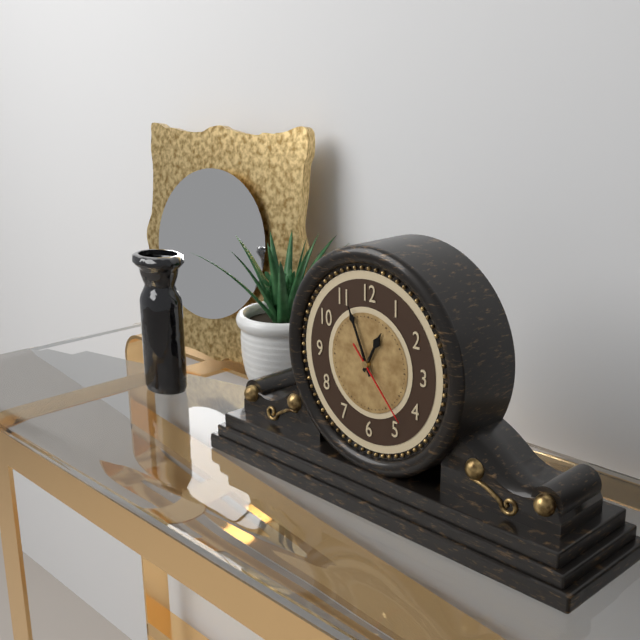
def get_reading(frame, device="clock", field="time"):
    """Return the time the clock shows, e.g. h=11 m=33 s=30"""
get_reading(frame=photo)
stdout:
h=12 m=56 s=23
